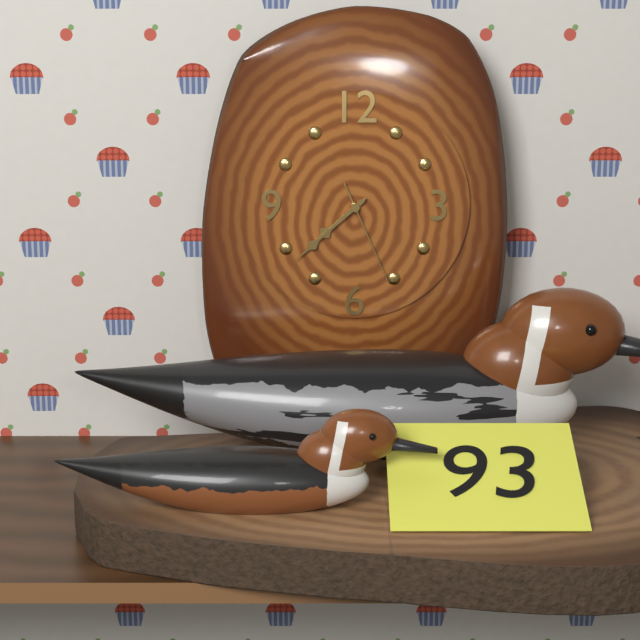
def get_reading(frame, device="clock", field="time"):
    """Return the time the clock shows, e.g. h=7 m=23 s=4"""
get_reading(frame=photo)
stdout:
h=7 m=38 s=26
